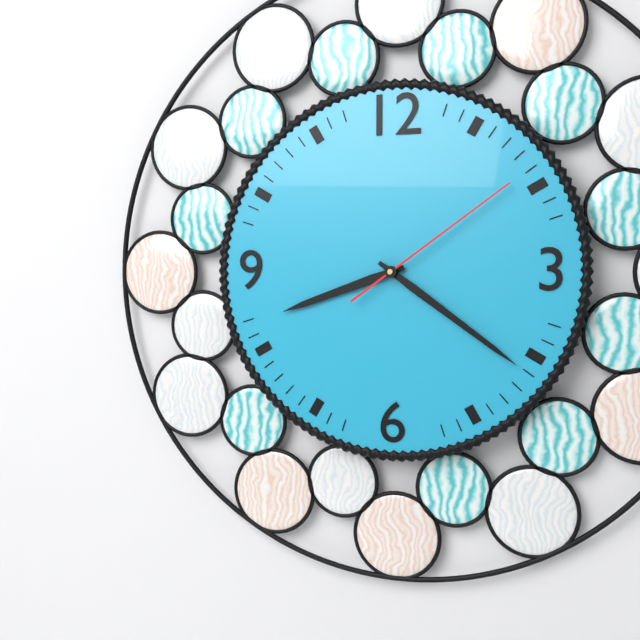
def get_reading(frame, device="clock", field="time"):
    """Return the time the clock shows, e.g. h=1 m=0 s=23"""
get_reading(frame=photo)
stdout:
h=8 m=21 s=9
